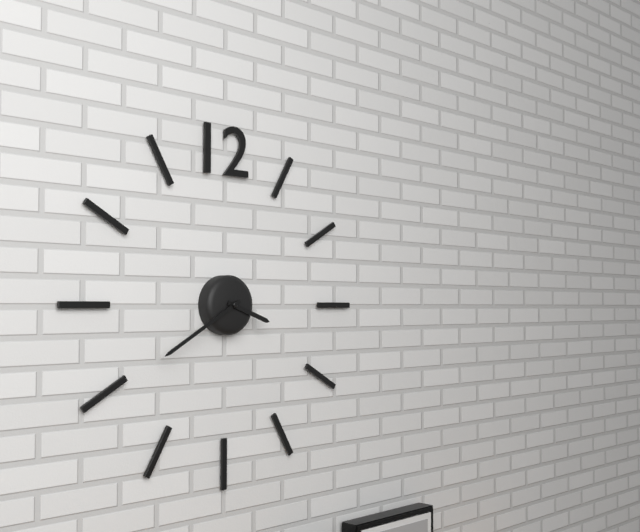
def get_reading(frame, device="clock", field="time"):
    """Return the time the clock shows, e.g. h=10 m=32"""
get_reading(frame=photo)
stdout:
h=3 m=40
